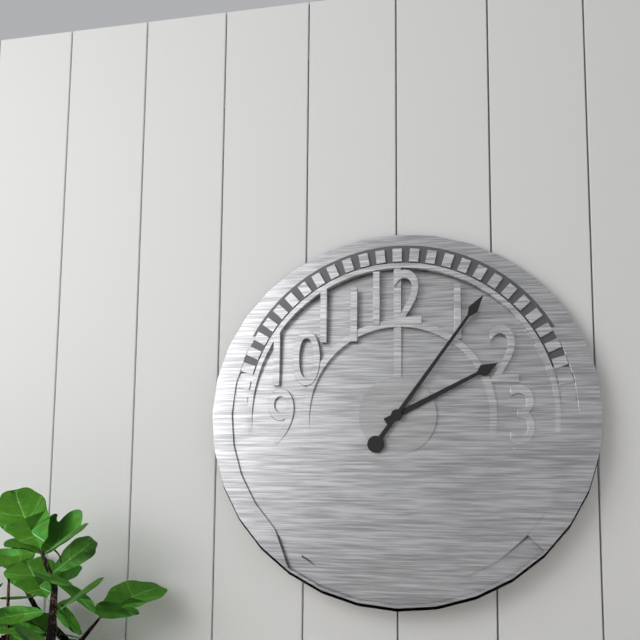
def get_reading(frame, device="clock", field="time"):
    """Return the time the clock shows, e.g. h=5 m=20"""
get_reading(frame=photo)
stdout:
h=2 m=6
